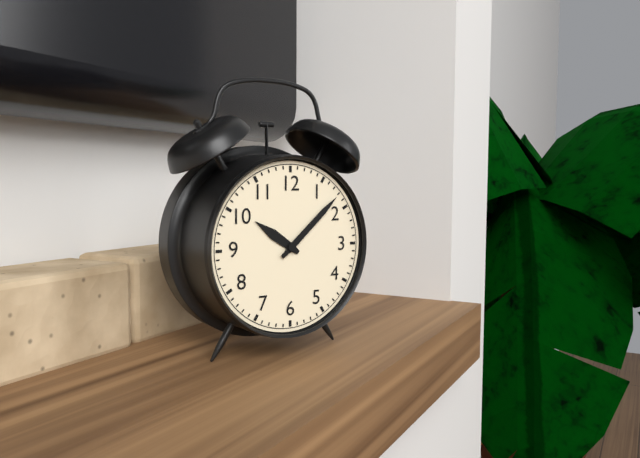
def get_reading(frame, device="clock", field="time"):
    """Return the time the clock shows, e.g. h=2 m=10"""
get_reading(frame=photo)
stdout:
h=10 m=8
